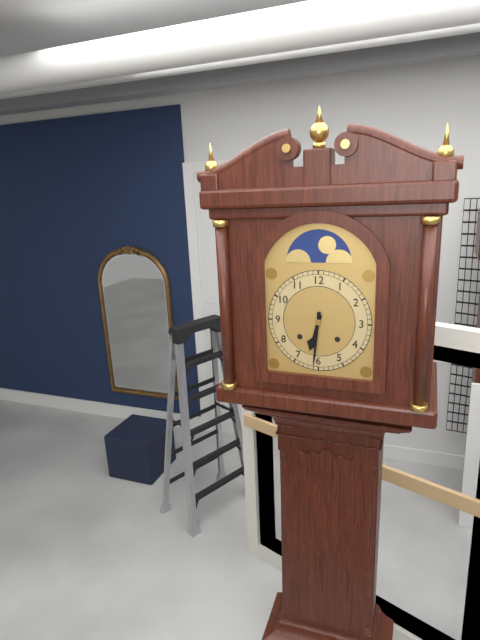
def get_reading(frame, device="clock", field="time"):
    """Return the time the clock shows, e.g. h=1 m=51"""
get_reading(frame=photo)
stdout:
h=6 m=31
